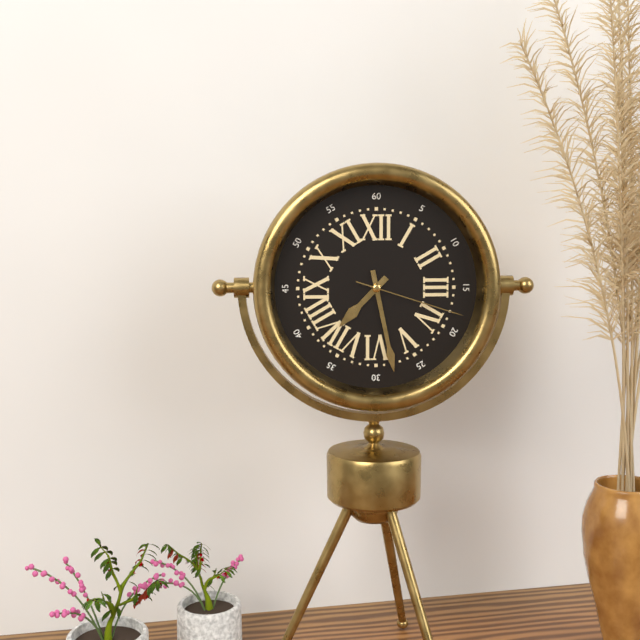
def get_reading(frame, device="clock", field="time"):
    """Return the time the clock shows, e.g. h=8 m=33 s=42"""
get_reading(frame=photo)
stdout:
h=7 m=28 s=18
